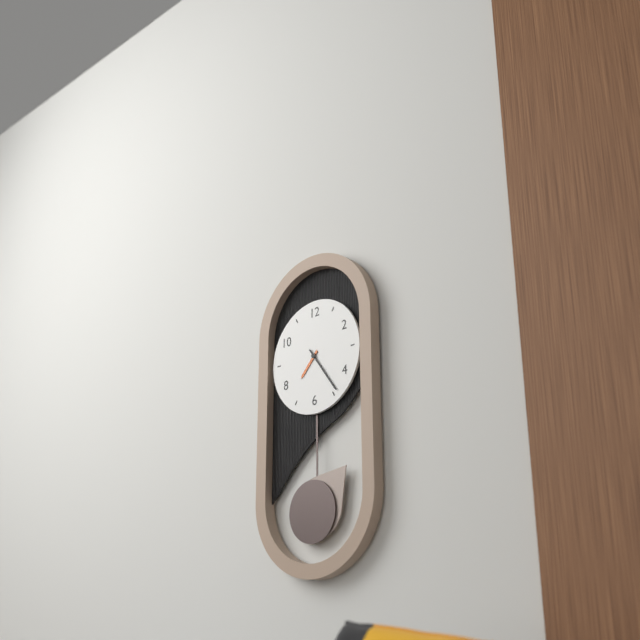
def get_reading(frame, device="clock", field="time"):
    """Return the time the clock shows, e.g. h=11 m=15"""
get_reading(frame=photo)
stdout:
h=7 m=24
